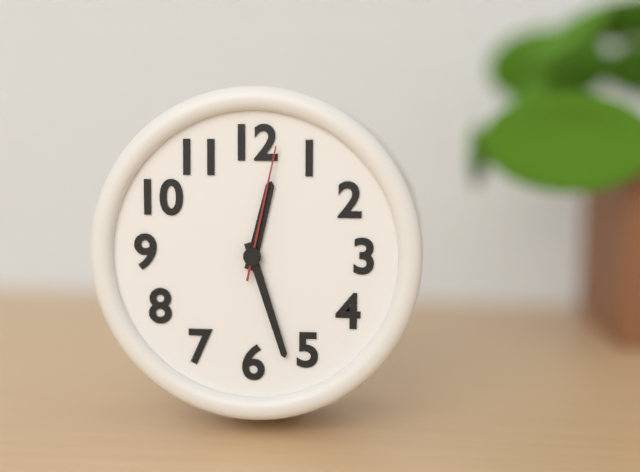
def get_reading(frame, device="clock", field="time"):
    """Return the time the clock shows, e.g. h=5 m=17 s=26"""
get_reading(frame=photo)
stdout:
h=12 m=27 s=2
